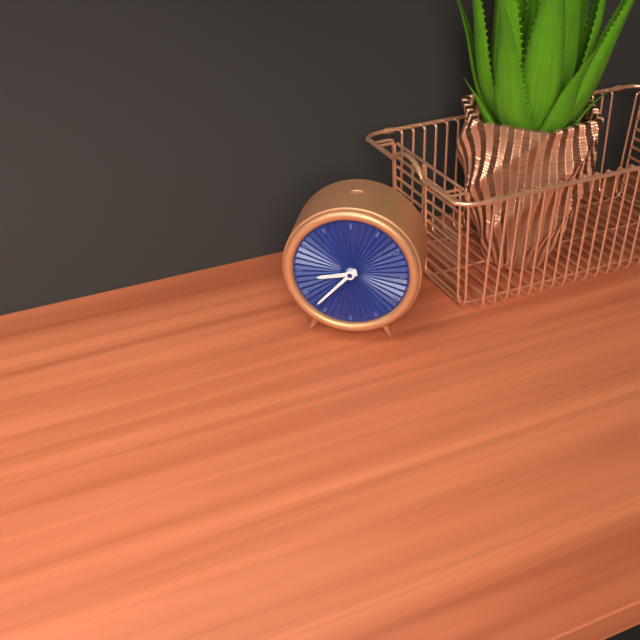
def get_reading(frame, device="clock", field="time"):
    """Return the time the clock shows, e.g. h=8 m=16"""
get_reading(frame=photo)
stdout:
h=8 m=37
